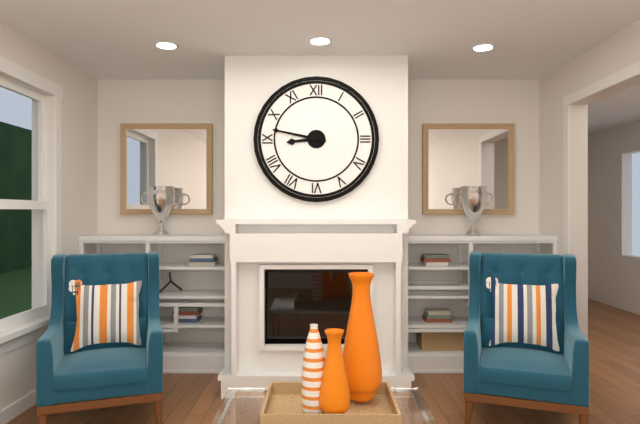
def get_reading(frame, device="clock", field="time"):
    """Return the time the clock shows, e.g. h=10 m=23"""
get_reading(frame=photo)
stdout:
h=8 m=47
